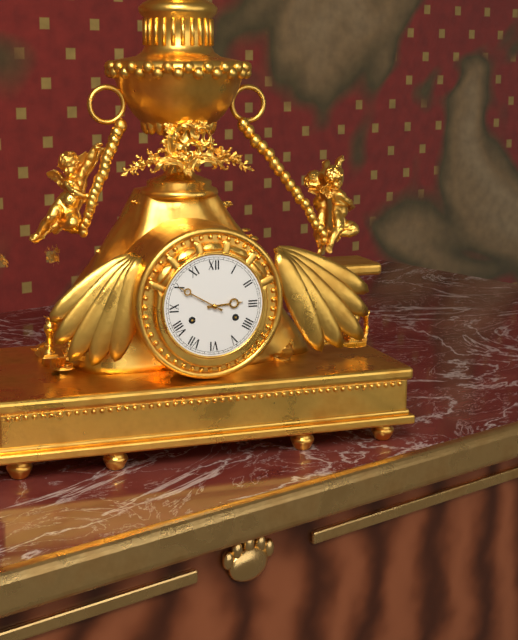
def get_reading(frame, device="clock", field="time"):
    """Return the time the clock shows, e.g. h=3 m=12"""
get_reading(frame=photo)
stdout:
h=2 m=50
